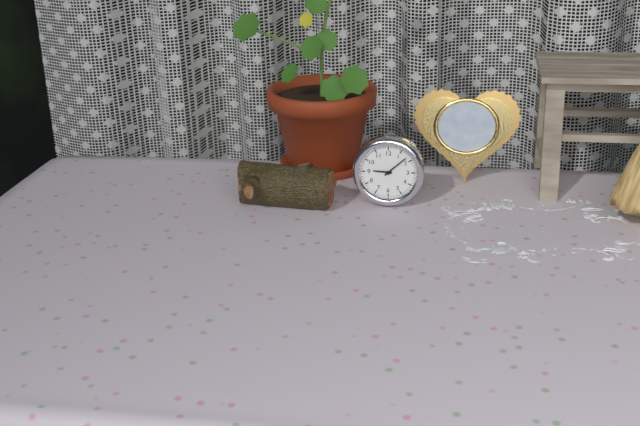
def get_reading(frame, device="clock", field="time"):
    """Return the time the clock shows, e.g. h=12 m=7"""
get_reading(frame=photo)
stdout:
h=9 m=8
